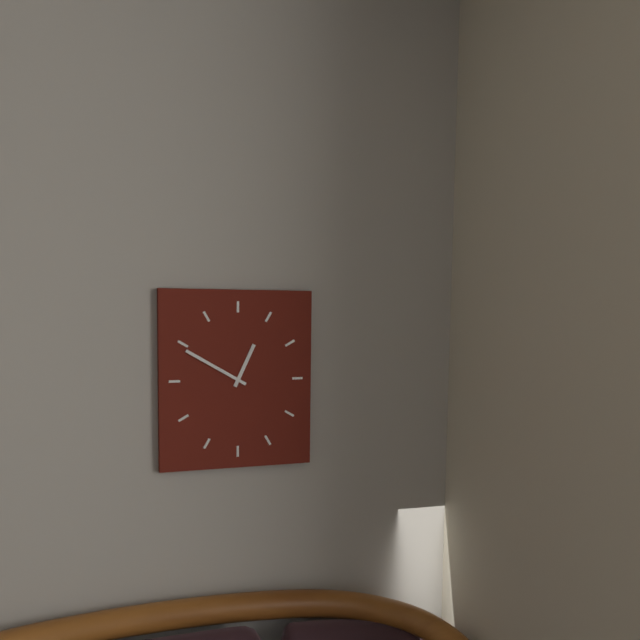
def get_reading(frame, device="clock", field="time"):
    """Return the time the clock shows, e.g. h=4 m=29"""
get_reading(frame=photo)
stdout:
h=12 m=50
